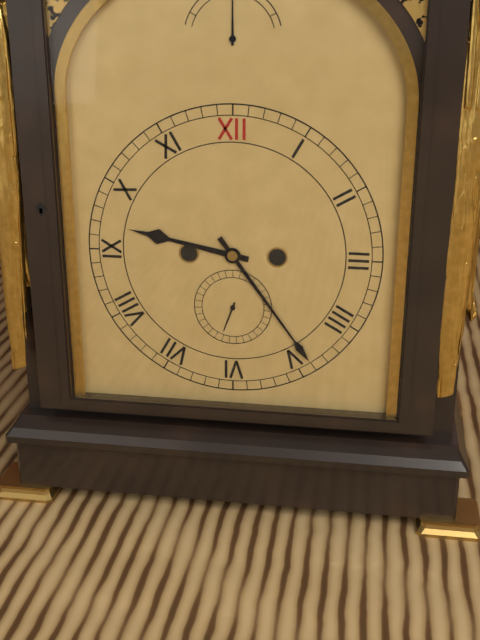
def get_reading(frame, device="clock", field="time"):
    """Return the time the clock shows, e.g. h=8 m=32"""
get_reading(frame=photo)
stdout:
h=9 m=24
